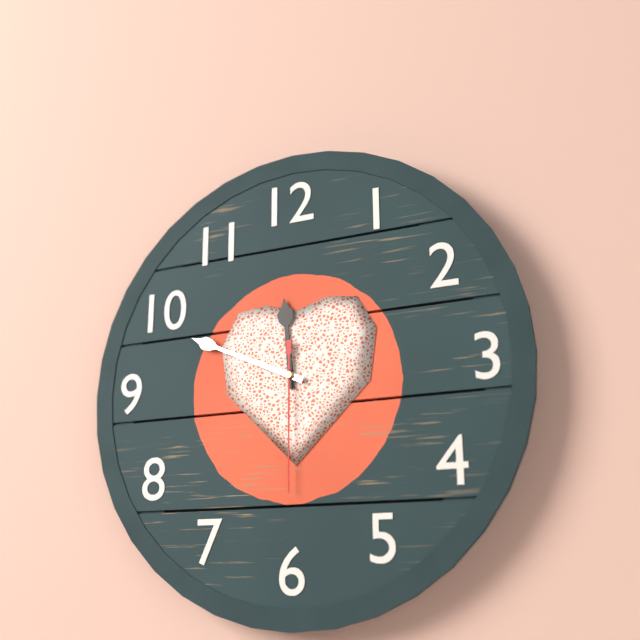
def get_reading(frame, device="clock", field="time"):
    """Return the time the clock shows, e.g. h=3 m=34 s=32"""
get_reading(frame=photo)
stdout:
h=11 m=49 s=30
